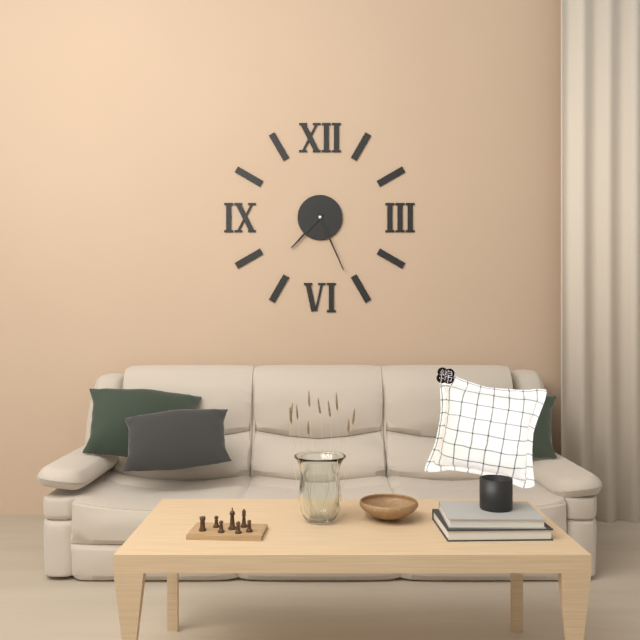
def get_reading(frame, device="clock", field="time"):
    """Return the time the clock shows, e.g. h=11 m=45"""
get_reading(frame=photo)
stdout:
h=7 m=26
